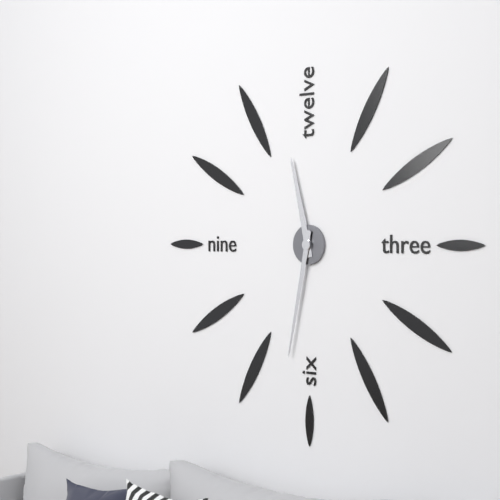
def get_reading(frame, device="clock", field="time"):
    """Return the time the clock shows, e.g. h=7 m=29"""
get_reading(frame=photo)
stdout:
h=11 m=32
